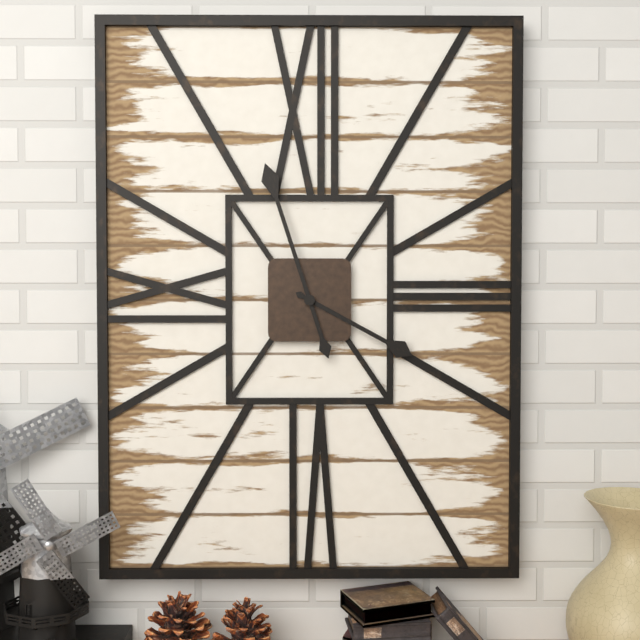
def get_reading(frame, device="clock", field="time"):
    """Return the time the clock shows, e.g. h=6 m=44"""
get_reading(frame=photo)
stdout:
h=3 m=57
